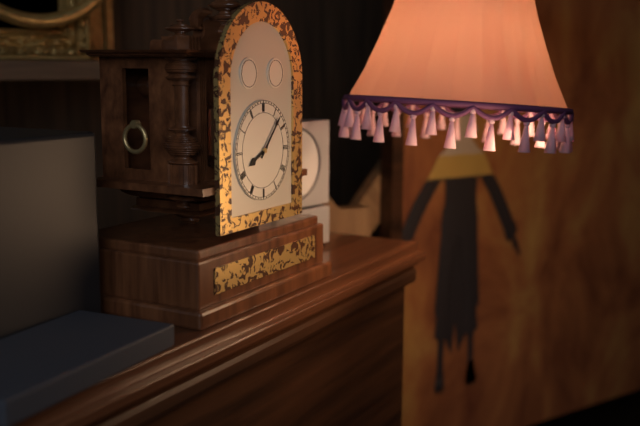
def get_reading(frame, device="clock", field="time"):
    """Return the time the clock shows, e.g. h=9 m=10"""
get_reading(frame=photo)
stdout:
h=8 m=7
